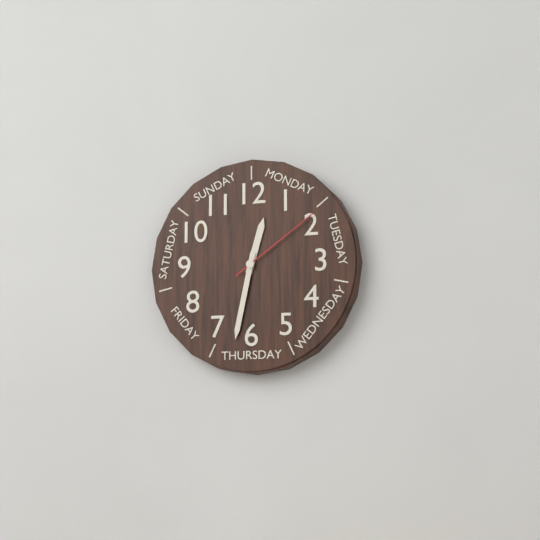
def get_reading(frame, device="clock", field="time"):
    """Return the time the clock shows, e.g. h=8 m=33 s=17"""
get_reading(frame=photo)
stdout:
h=12 m=32 s=9
